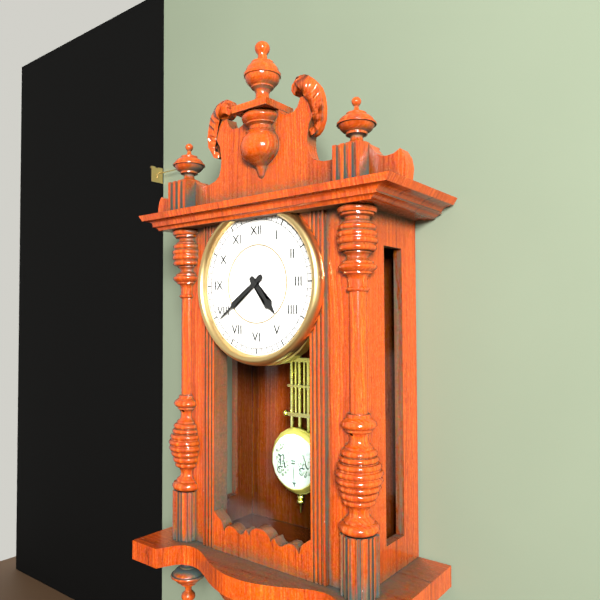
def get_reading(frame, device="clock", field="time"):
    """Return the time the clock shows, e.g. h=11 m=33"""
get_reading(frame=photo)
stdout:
h=4 m=39
